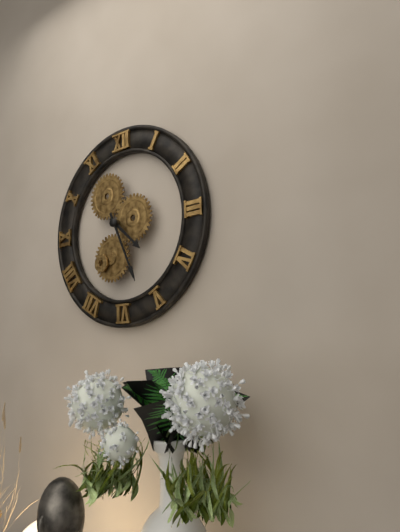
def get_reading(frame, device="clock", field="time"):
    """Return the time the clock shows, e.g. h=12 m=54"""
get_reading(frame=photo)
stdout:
h=4 m=26
